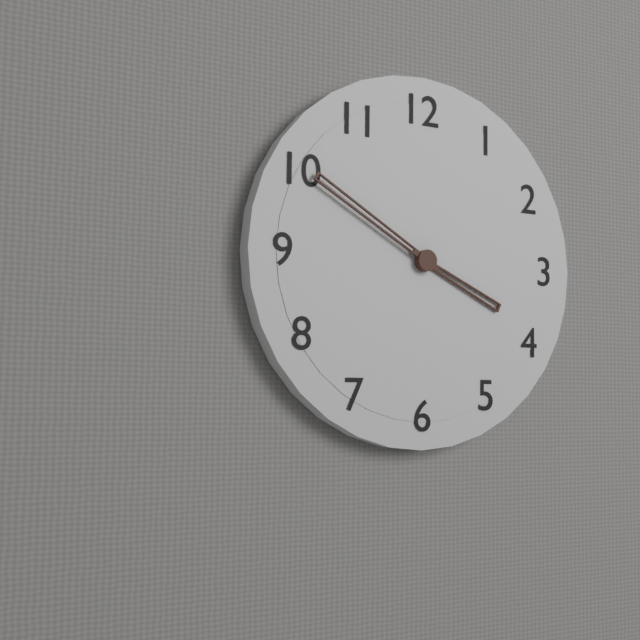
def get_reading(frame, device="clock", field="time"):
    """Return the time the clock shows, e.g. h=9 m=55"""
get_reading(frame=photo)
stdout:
h=3 m=50
